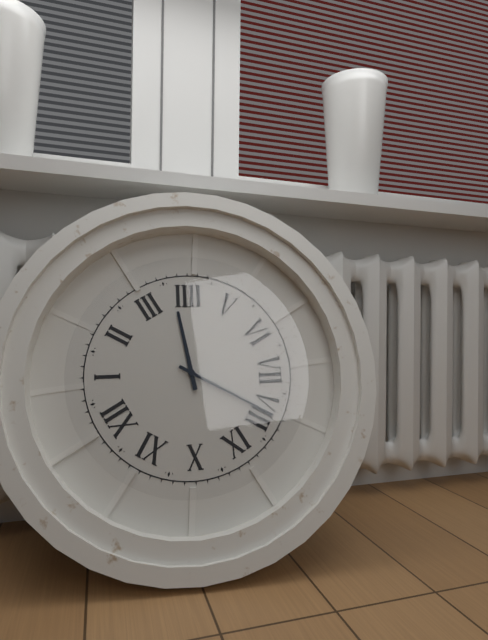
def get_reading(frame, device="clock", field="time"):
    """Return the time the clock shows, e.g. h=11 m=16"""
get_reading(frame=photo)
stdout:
h=3 m=40
